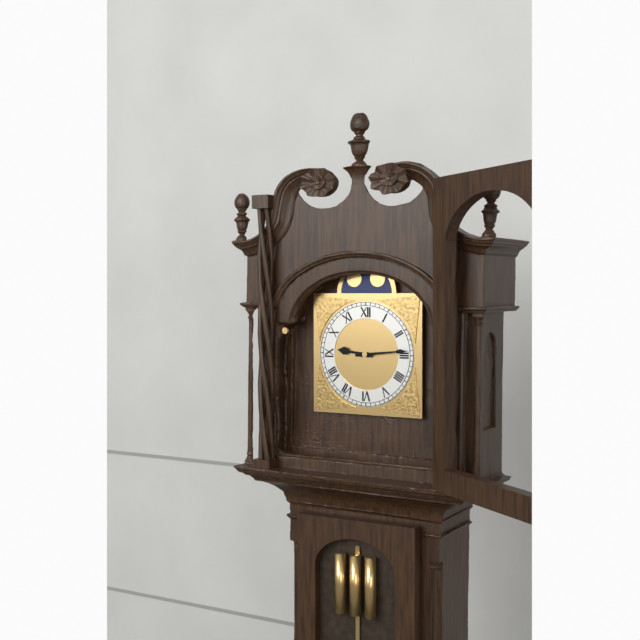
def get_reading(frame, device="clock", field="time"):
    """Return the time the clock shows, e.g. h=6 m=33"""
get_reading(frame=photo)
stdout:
h=9 m=14
